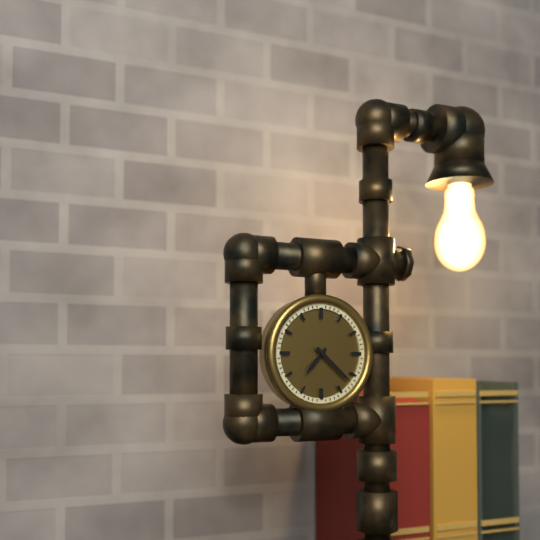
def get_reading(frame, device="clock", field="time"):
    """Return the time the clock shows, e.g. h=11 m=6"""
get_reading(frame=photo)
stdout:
h=7 m=22
